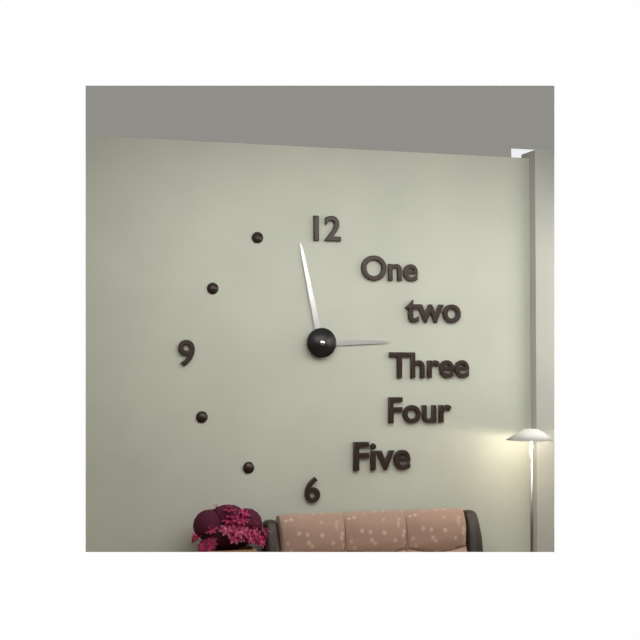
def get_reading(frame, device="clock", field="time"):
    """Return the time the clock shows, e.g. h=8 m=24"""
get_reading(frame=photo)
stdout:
h=2 m=58
